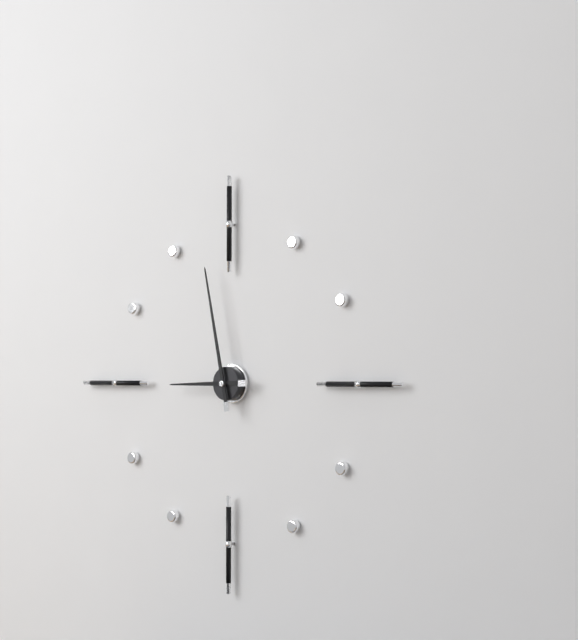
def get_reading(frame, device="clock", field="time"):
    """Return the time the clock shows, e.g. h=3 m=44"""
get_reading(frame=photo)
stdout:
h=8 m=58
